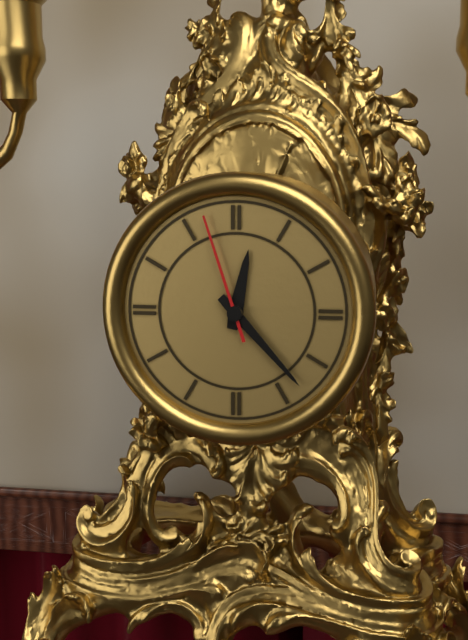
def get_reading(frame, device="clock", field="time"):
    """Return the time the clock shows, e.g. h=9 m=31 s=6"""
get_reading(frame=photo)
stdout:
h=12 m=23 s=57
